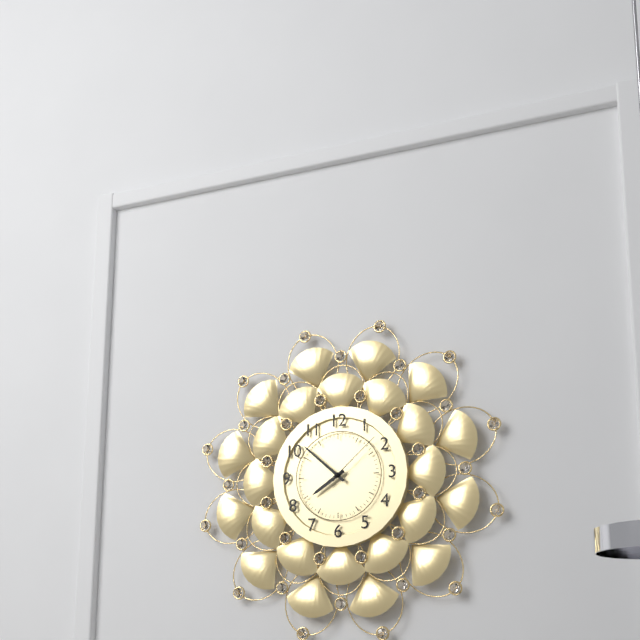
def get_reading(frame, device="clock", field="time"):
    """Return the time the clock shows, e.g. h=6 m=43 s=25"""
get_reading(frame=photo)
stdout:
h=7 m=52 s=8
